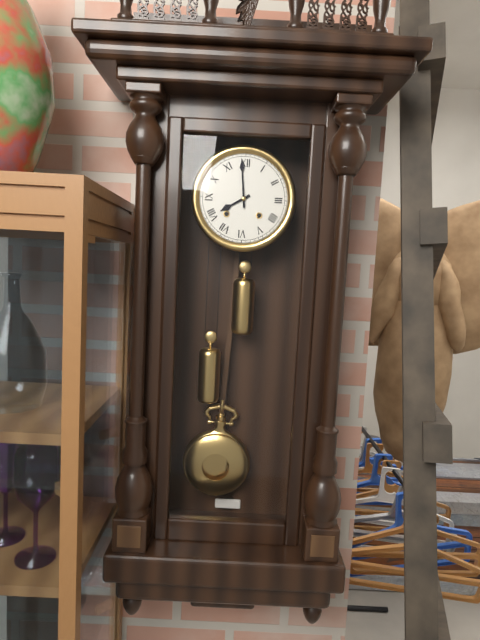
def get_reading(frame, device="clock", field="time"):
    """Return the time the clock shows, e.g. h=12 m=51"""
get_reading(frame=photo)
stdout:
h=7 m=59
